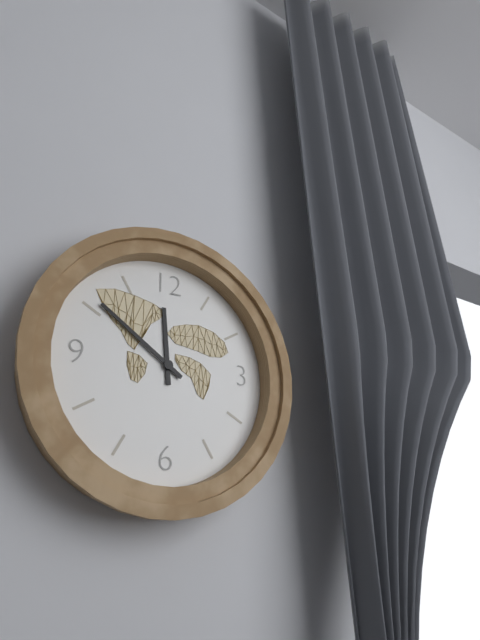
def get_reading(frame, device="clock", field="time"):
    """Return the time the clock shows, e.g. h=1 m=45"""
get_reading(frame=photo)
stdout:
h=11 m=51
